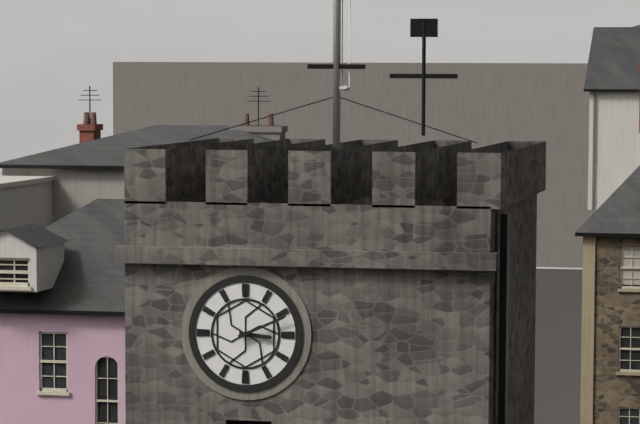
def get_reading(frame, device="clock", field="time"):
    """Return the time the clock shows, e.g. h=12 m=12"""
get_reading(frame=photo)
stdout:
h=3 m=11
